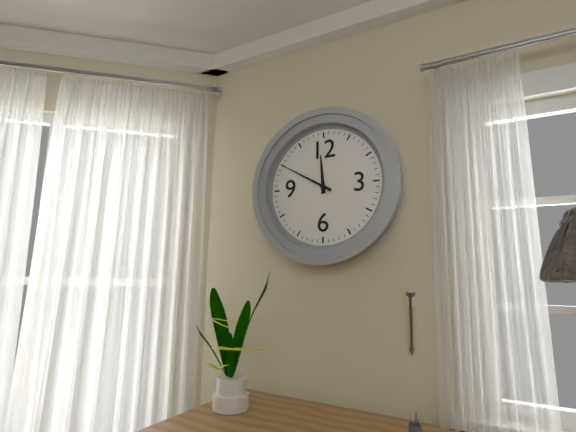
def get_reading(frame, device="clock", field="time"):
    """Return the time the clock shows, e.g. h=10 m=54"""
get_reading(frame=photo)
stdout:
h=11 m=50
